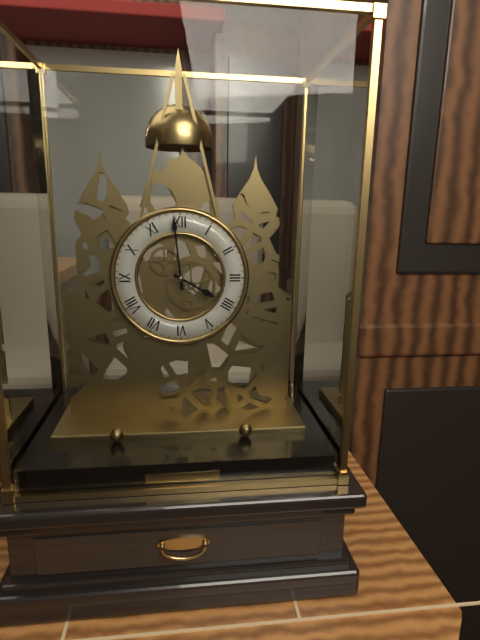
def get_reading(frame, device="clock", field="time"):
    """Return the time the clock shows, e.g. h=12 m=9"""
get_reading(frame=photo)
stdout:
h=3 m=59
